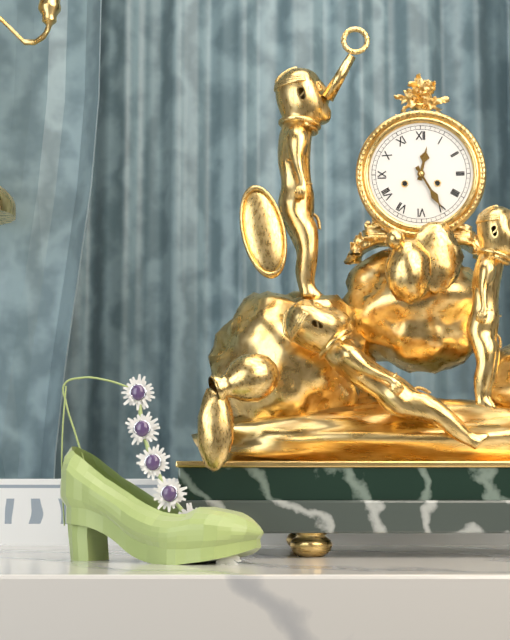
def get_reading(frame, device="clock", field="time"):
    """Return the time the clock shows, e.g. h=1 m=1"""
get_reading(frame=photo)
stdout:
h=12 m=25
